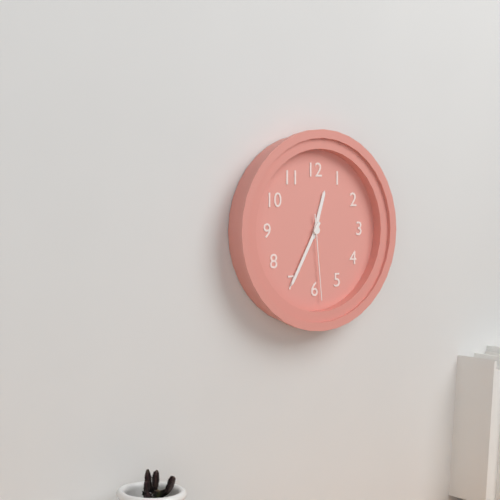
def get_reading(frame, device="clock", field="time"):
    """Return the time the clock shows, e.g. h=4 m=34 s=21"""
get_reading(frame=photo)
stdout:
h=12 m=35 s=29
